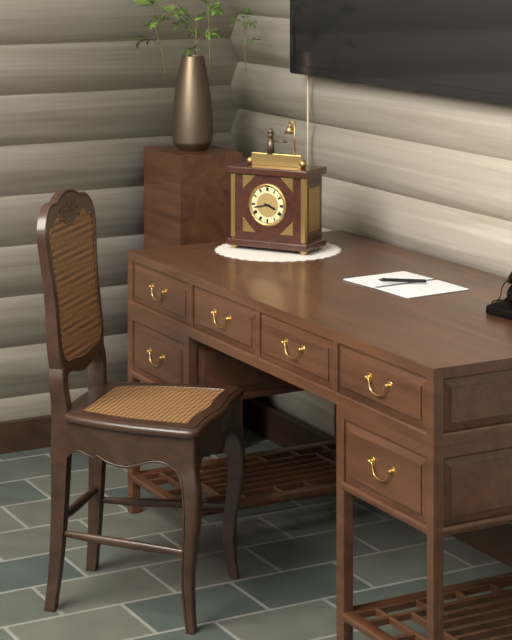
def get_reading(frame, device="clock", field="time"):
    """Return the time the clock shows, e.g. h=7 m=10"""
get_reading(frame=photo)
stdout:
h=3 m=43
